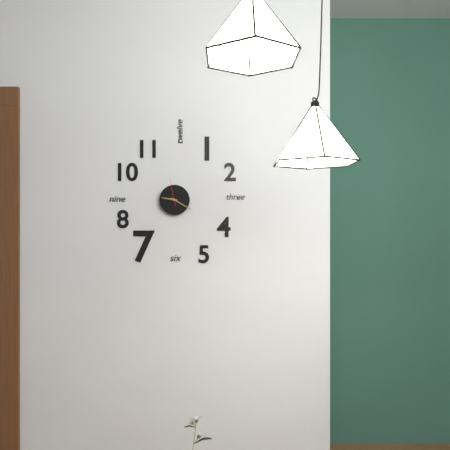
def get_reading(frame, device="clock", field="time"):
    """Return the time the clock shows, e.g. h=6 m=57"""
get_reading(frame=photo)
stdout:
h=9 m=20
